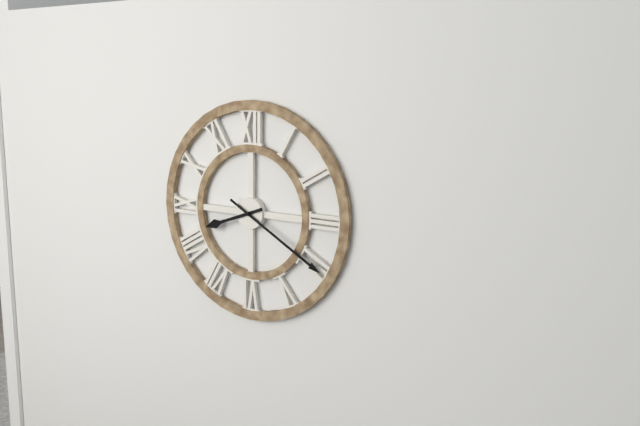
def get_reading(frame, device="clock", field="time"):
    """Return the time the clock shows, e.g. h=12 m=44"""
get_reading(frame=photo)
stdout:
h=8 m=20
